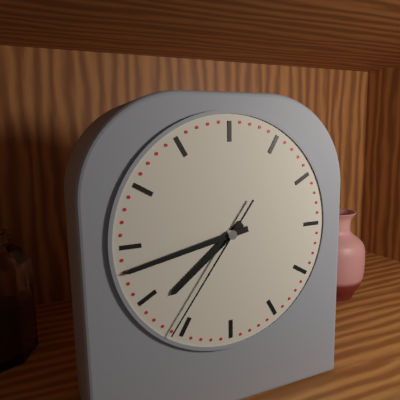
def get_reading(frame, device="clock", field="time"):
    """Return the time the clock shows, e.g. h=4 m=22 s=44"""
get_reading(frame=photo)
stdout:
h=7 m=43 s=36
